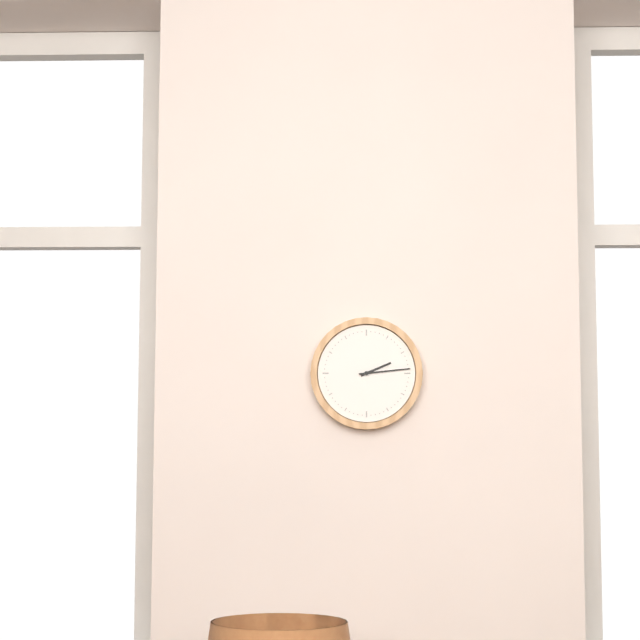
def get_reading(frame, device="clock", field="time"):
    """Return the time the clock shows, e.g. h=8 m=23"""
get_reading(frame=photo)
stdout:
h=2 m=14
